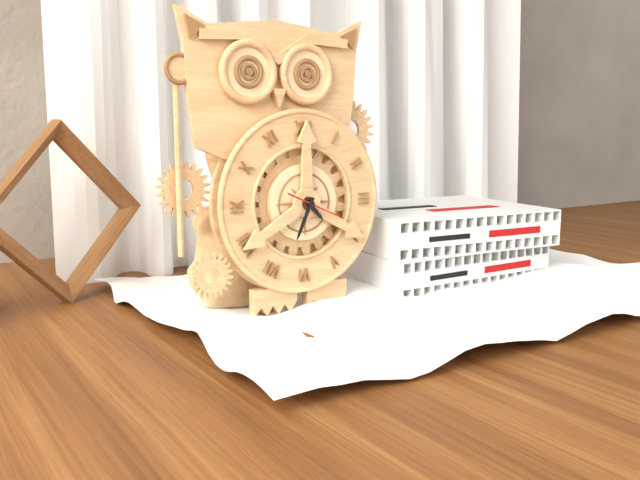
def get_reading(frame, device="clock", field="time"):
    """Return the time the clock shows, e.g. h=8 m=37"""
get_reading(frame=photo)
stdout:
h=4 m=34
